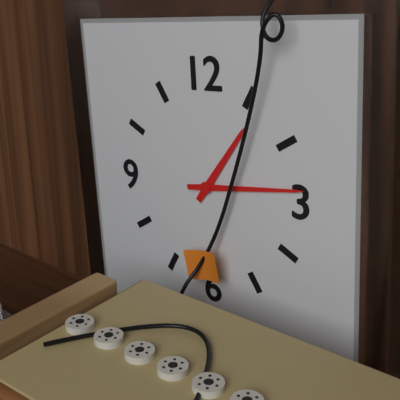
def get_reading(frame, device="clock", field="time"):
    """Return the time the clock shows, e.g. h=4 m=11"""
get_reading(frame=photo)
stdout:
h=1 m=14
